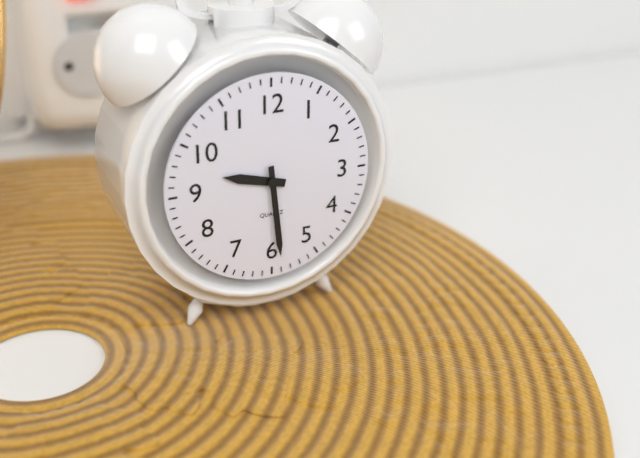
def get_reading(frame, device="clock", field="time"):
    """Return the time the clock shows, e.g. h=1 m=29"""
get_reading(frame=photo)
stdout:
h=9 m=29
